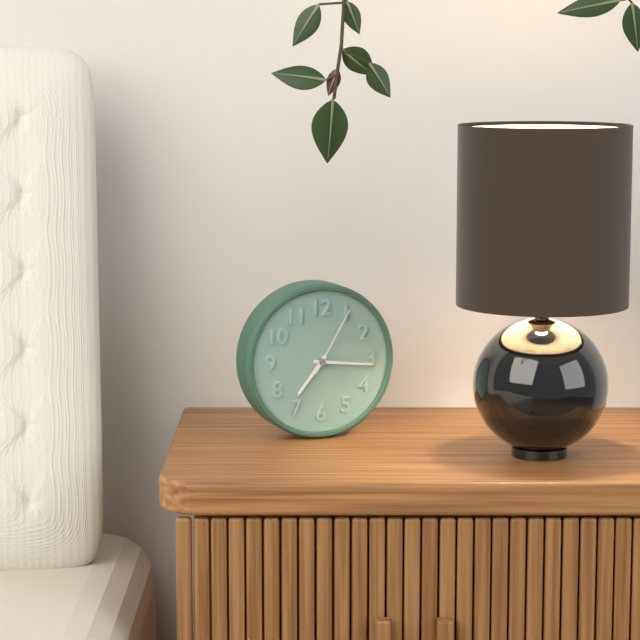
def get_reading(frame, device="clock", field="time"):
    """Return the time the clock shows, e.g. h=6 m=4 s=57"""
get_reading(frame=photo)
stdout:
h=7 m=16 s=5
